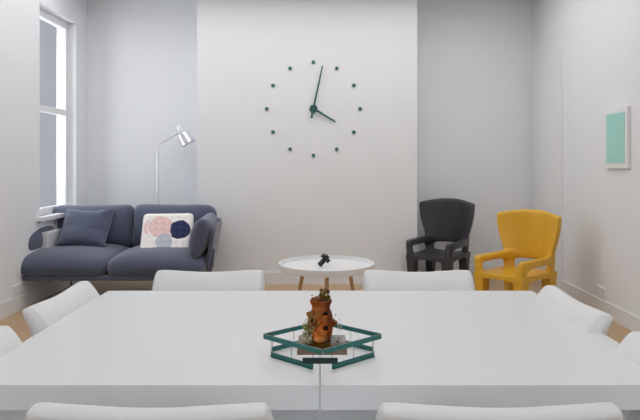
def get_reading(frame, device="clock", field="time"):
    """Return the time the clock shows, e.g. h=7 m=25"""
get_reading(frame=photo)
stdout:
h=4 m=2
